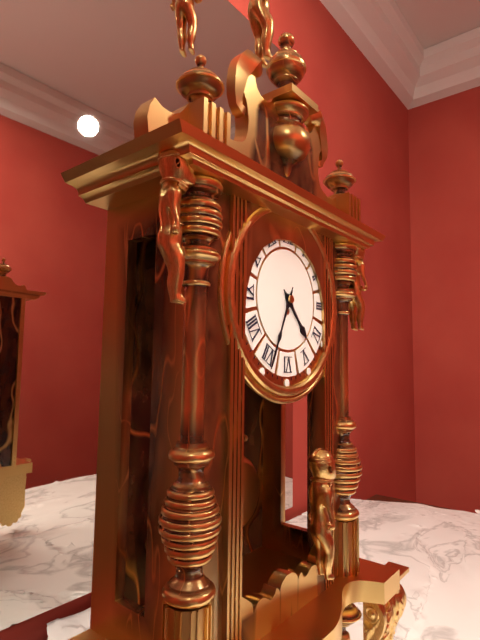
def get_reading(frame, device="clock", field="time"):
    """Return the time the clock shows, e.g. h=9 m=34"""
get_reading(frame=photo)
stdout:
h=4 m=34
